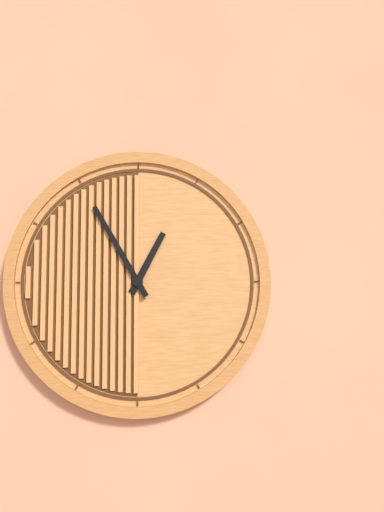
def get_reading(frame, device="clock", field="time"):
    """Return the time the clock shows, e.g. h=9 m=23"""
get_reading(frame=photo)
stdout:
h=12 m=55
